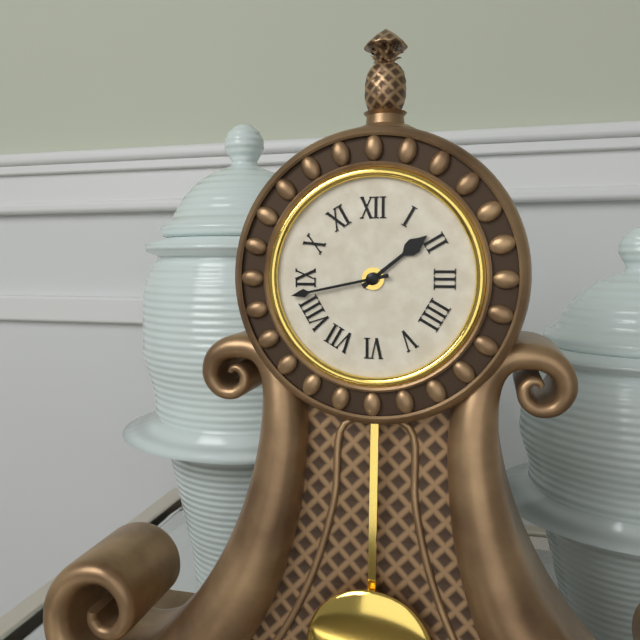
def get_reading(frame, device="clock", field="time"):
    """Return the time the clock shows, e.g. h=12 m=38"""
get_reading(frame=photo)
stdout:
h=1 m=43
